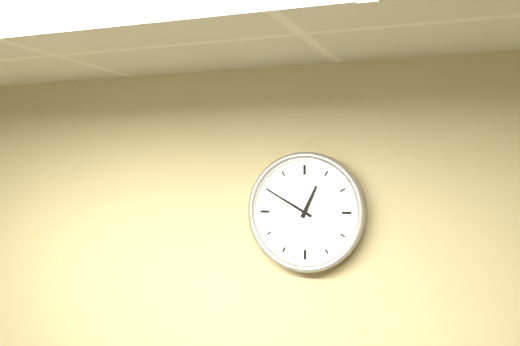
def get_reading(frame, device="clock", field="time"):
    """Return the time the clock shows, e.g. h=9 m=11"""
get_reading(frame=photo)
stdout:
h=12 m=50
